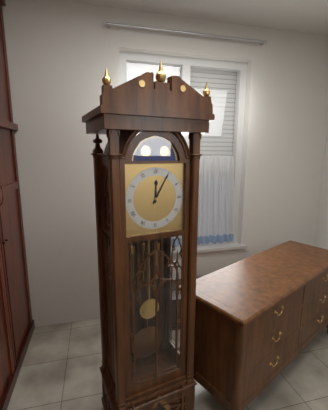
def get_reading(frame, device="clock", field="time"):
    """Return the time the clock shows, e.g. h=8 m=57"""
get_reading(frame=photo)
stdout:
h=12 m=5
